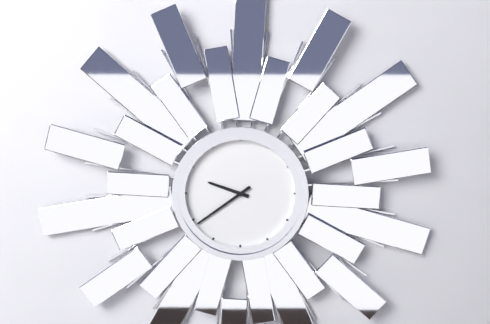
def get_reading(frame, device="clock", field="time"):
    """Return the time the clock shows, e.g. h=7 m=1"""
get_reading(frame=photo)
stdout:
h=9 m=39
